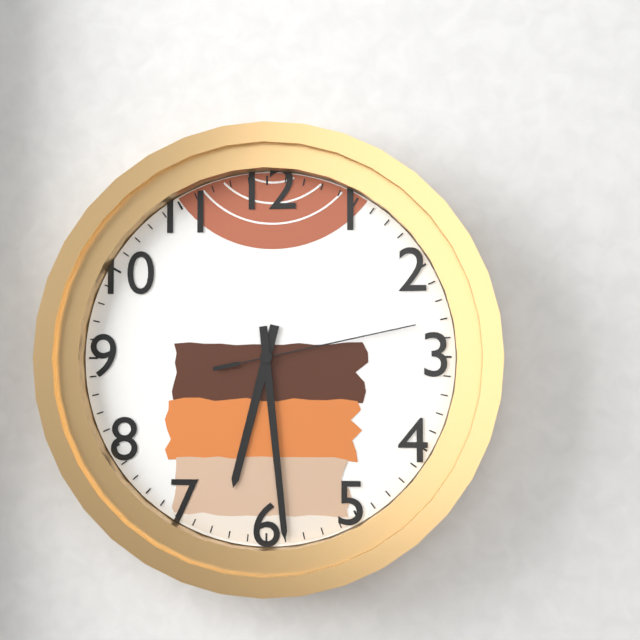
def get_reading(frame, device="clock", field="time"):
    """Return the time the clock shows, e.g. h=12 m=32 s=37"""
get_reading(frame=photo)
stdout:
h=6 m=29 s=13
